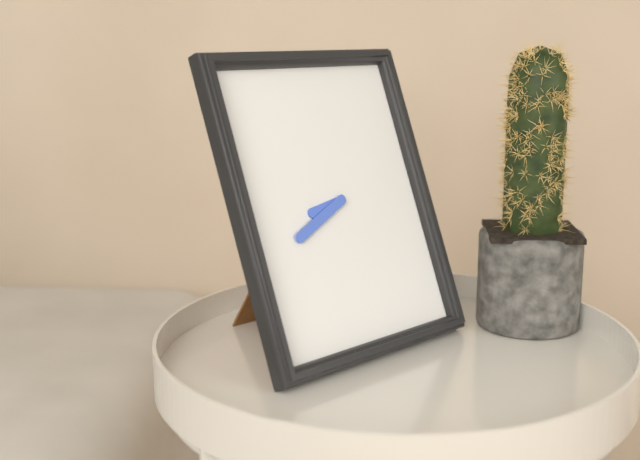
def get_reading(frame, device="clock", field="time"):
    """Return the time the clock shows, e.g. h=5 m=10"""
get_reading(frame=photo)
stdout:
h=8 m=41
